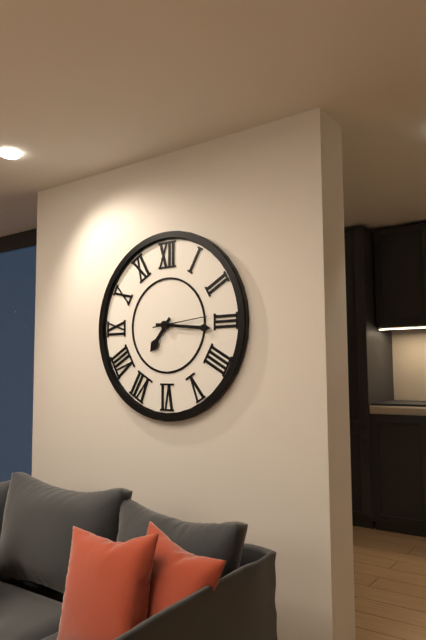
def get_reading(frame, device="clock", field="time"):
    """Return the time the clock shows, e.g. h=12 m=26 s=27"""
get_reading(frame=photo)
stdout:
h=7 m=16 s=14
